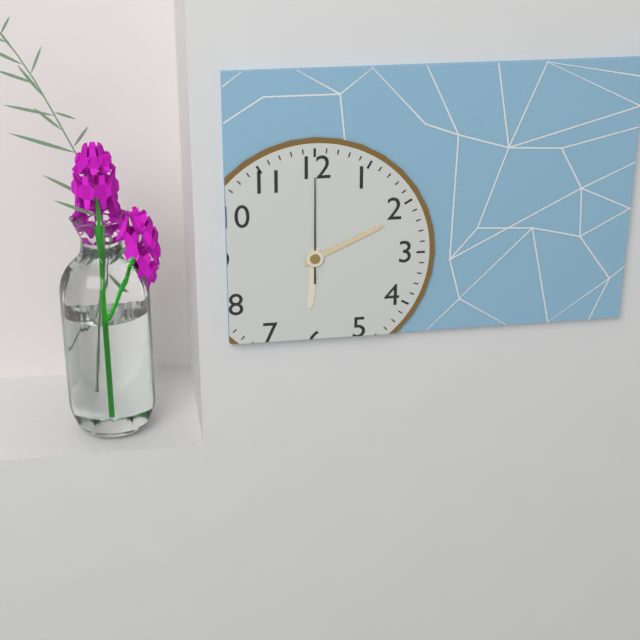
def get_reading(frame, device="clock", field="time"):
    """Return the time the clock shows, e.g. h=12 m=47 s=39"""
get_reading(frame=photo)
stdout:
h=6 m=11 s=0
